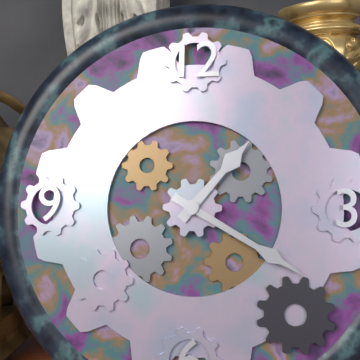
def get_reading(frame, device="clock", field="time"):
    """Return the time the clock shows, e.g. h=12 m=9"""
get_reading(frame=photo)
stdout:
h=1 m=20
